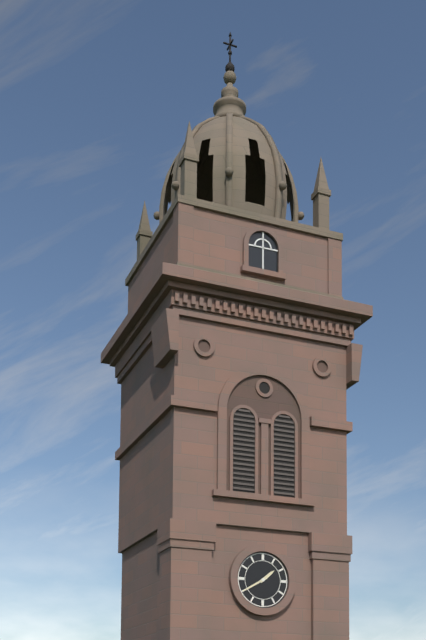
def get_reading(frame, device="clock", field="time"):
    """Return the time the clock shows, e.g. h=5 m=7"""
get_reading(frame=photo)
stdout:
h=1 m=40
